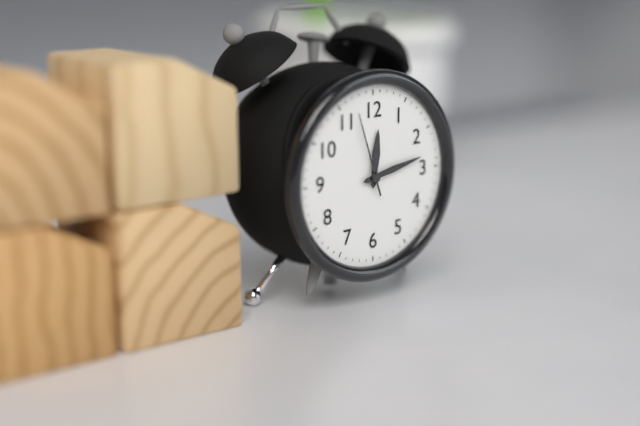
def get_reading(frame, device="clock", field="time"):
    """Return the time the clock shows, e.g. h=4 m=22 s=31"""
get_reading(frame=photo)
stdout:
h=12 m=13 s=57
